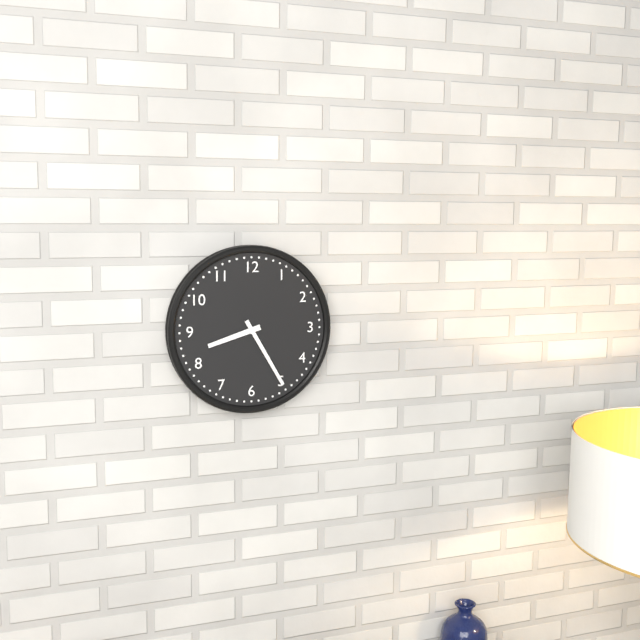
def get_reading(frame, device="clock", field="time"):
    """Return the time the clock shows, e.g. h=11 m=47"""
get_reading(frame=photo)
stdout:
h=8 m=25
